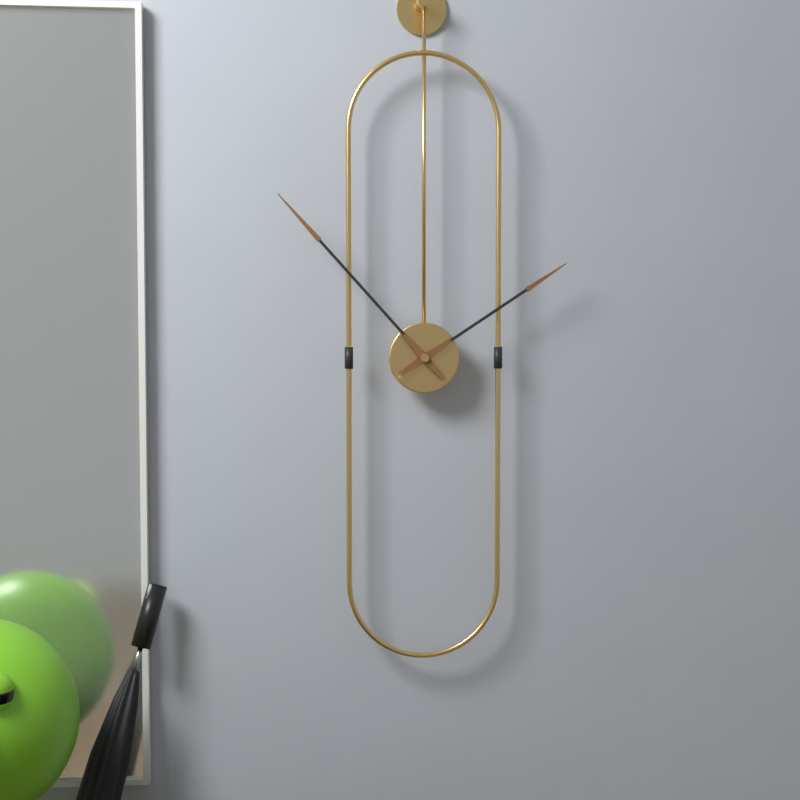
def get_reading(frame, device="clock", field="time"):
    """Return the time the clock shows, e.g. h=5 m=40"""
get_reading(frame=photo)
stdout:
h=1 m=53
